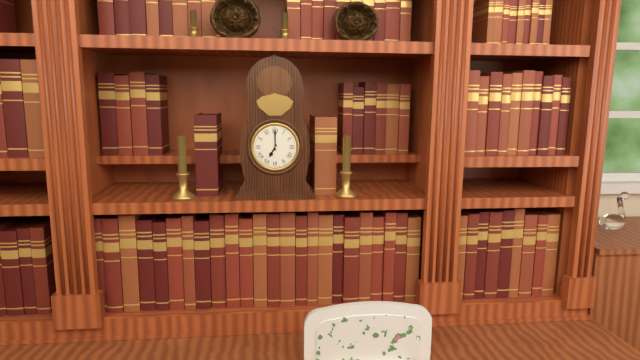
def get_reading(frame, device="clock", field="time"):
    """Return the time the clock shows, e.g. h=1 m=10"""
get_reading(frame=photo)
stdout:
h=7 m=0
